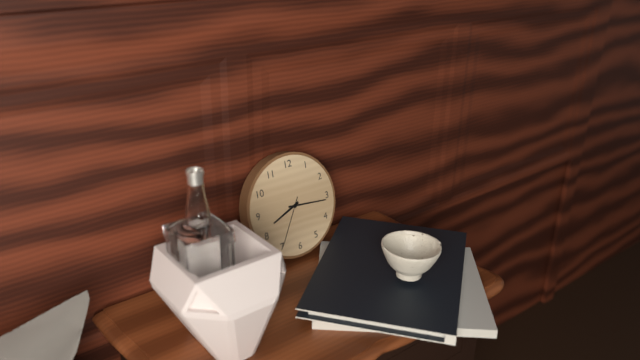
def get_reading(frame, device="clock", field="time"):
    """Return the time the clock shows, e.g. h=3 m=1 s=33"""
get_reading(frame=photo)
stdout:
h=8 m=16 s=35
